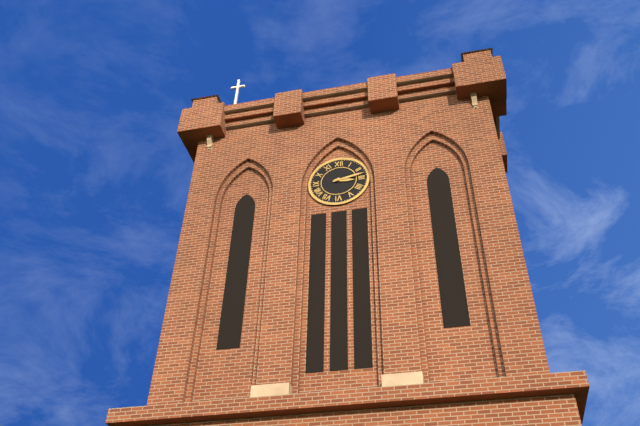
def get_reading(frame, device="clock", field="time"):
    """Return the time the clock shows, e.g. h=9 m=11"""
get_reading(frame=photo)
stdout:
h=3 m=13
